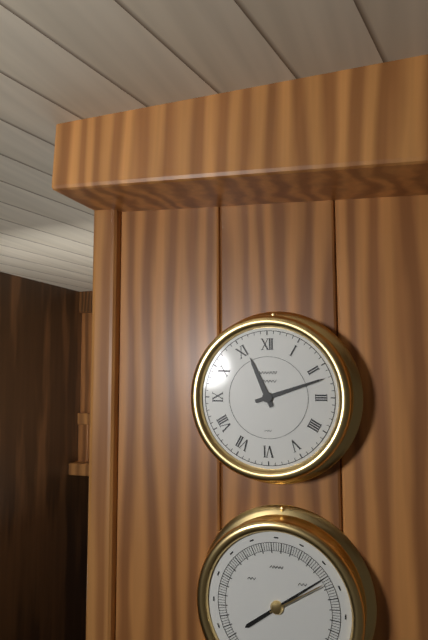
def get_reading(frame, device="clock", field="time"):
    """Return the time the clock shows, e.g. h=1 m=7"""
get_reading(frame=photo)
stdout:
h=11 m=12
